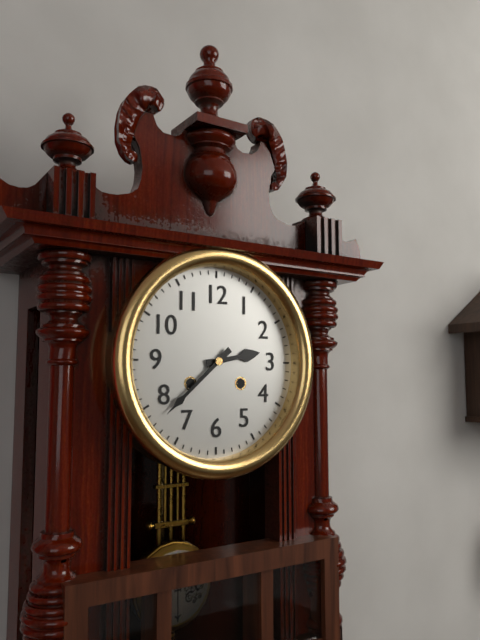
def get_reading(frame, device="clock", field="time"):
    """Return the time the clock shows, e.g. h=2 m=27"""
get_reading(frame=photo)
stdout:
h=2 m=38
